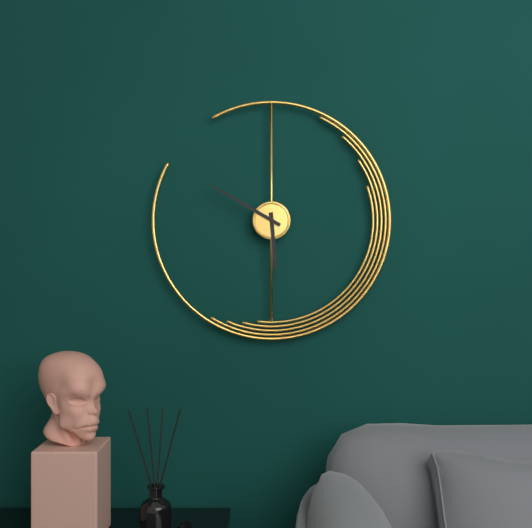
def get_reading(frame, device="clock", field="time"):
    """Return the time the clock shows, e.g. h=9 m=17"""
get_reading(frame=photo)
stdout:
h=5 m=50
